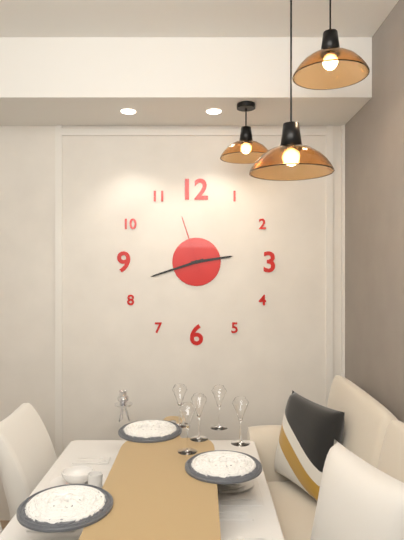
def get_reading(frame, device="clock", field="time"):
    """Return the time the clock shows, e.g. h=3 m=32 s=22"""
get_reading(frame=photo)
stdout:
h=2 m=42 s=57
